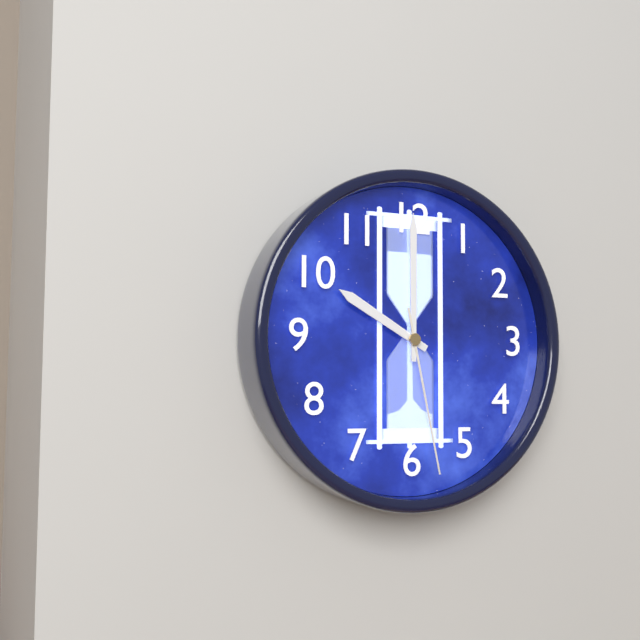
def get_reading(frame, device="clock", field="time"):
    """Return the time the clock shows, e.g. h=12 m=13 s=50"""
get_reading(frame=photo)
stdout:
h=10 m=0 s=28
